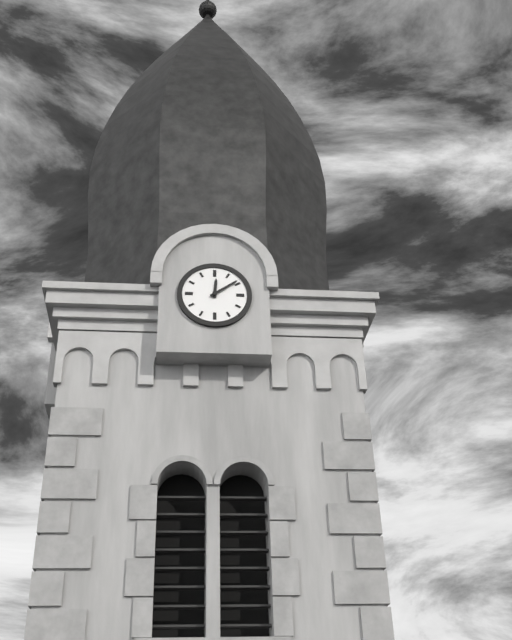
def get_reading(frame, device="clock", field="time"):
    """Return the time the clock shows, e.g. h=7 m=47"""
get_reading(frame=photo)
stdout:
h=12 m=9
